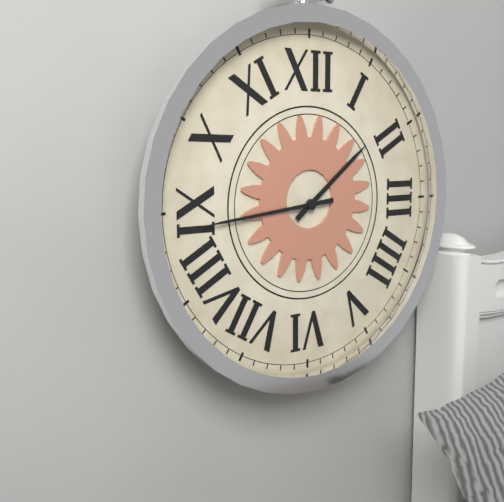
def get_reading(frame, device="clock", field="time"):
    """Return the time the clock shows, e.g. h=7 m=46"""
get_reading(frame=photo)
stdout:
h=1 m=44
